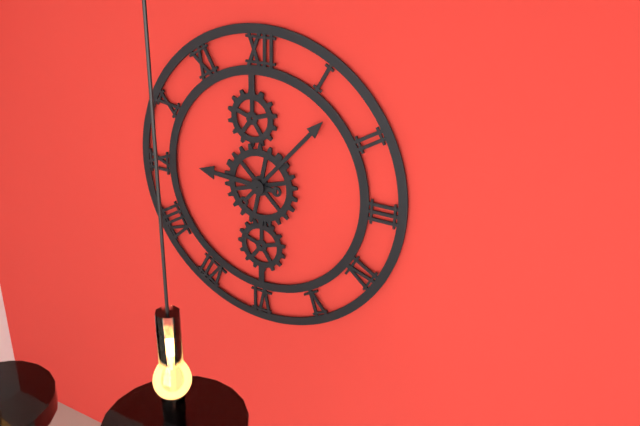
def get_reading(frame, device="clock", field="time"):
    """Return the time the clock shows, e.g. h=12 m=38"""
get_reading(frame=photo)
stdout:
h=9 m=7
